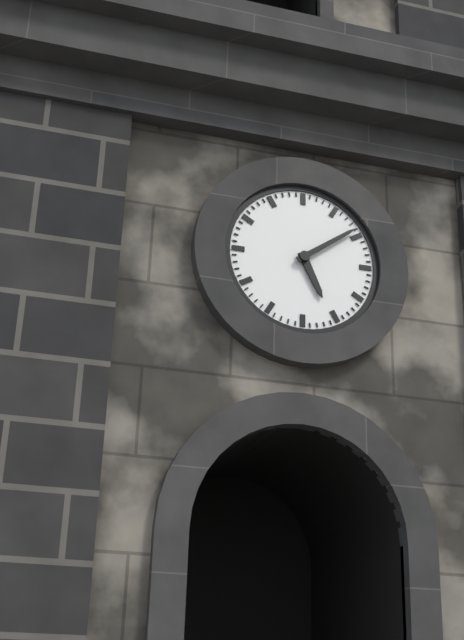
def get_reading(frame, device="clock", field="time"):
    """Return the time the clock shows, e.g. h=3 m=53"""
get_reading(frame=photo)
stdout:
h=5 m=9
